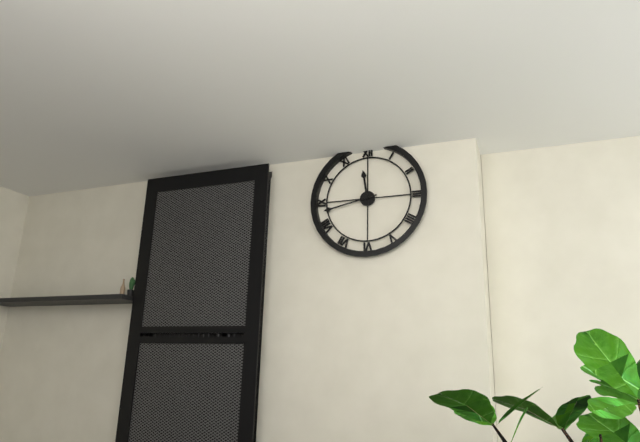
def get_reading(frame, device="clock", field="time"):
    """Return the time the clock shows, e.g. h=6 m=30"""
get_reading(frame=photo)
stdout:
h=11 m=43
